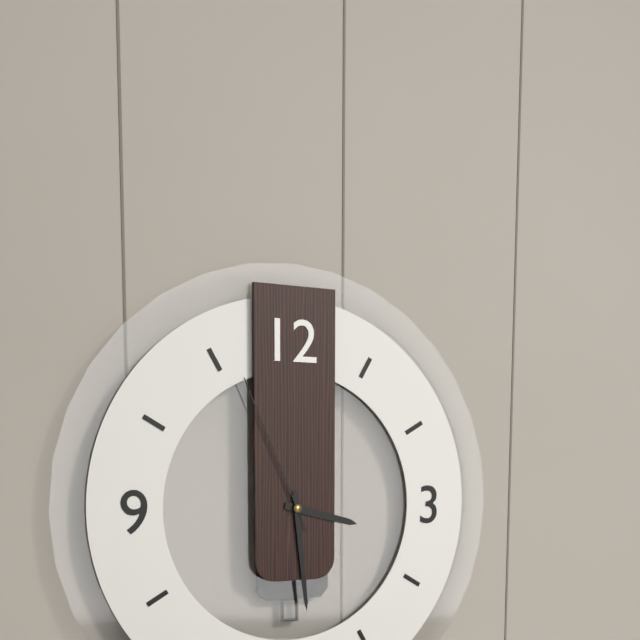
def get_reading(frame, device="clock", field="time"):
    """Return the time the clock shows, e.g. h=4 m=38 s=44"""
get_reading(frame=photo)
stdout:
h=3 m=29 s=56
